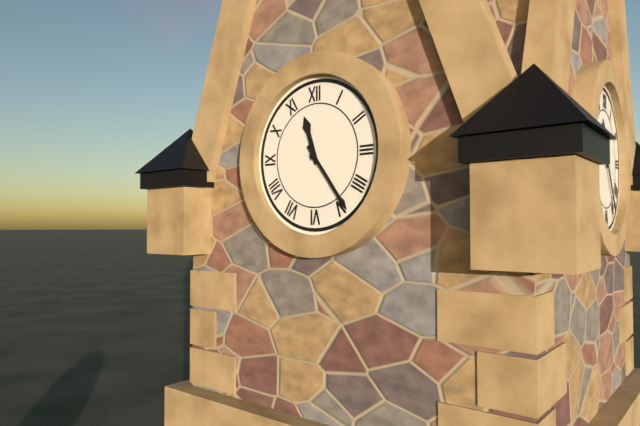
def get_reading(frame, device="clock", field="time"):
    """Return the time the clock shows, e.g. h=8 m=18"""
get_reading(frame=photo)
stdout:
h=11 m=24
